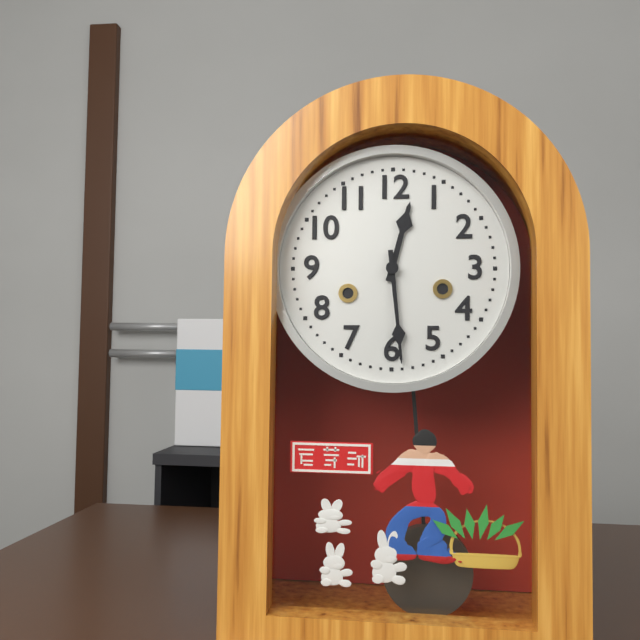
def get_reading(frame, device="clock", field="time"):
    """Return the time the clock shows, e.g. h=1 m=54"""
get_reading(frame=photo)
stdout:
h=12 m=29
